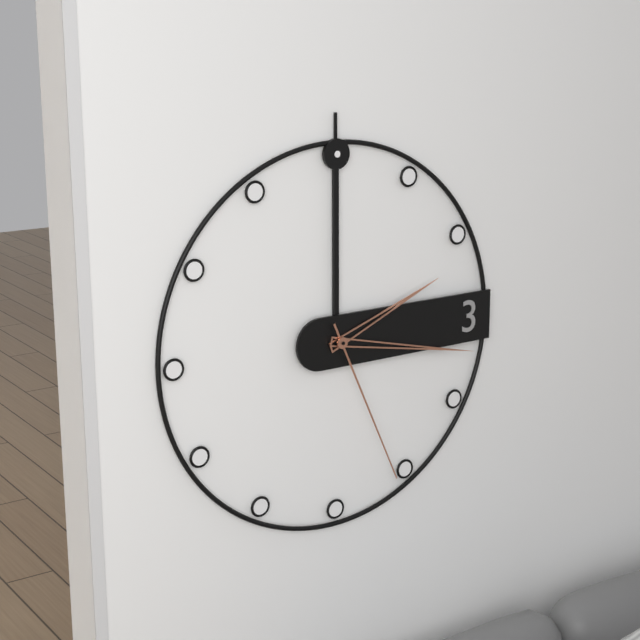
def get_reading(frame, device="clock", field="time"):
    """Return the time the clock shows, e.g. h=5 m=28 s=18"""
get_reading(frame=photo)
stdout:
h=2 m=17 s=26
